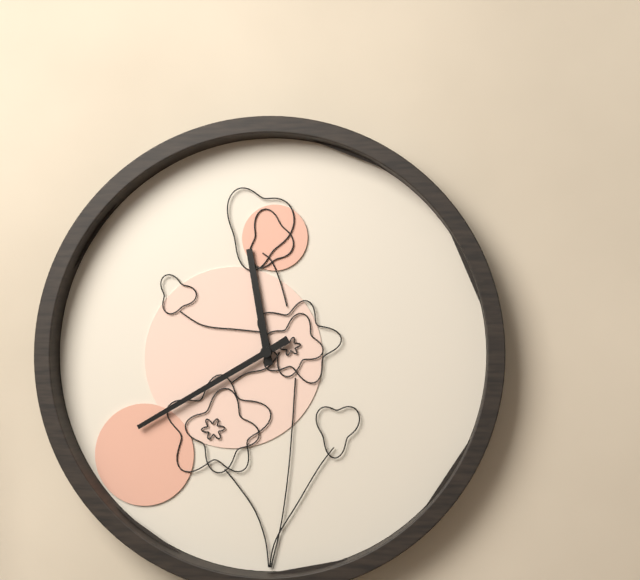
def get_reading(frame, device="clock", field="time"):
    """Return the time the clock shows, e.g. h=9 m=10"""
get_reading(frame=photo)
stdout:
h=11 m=40
